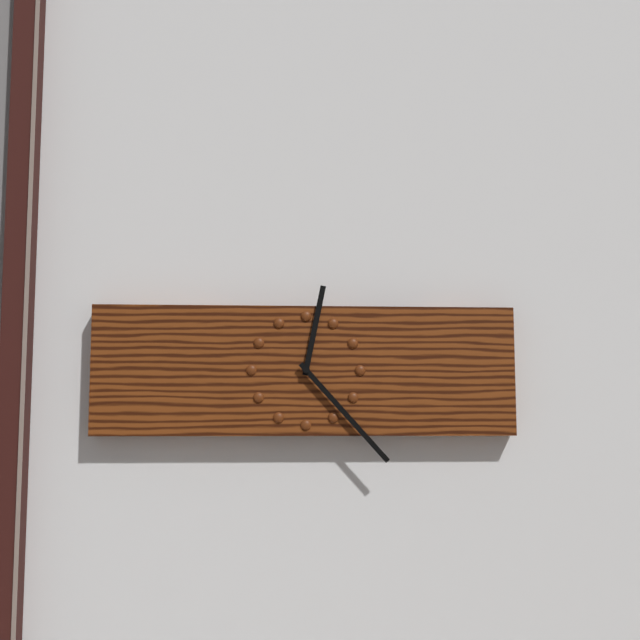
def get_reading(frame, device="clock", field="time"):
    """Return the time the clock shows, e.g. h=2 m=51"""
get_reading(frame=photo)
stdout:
h=12 m=23
